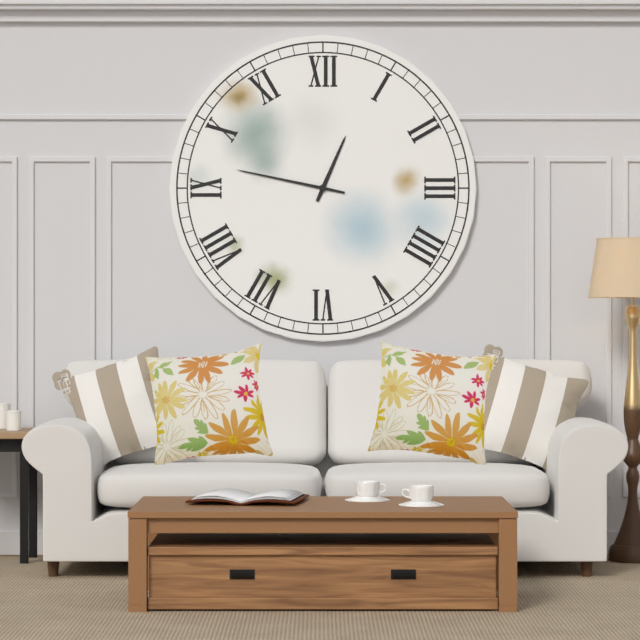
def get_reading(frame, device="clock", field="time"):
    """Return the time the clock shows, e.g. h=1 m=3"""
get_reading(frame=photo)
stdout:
h=12 m=47
